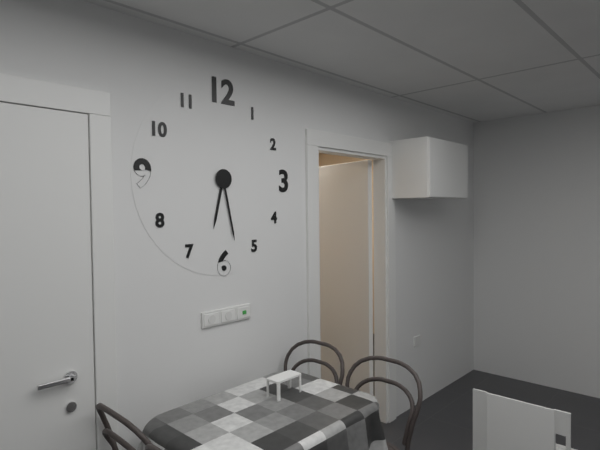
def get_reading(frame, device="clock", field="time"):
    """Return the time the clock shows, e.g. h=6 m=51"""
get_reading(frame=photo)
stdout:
h=6 m=28
